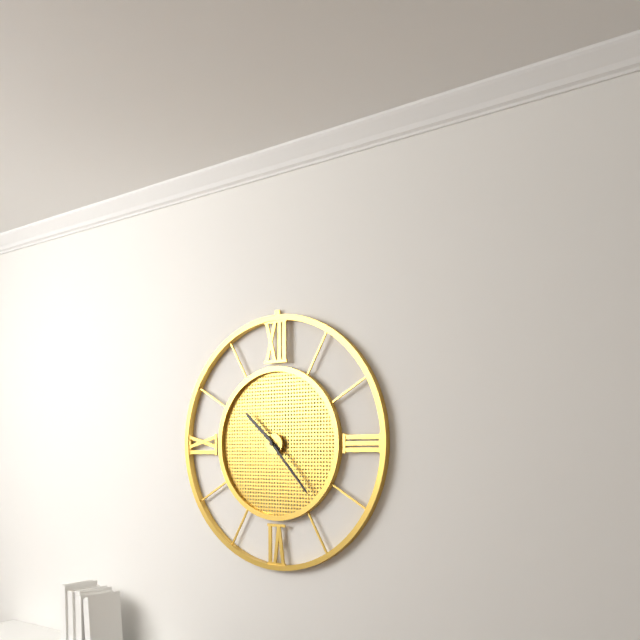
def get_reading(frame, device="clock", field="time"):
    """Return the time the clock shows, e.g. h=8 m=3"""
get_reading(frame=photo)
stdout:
h=10 m=23
